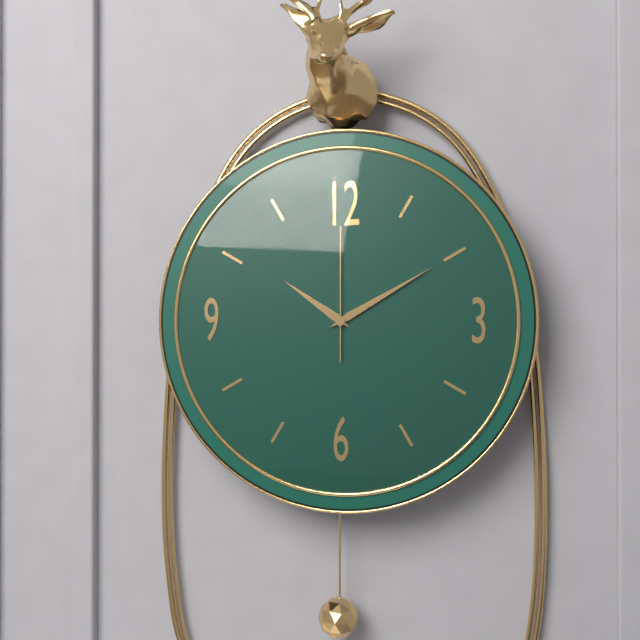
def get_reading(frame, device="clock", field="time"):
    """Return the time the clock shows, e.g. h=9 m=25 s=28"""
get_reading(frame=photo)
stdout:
h=10 m=10 s=0
